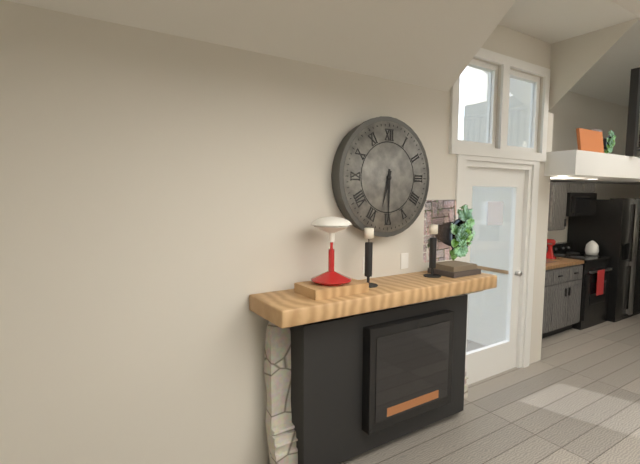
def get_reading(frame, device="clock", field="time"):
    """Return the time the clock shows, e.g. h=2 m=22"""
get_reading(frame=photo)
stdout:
h=6 m=30
